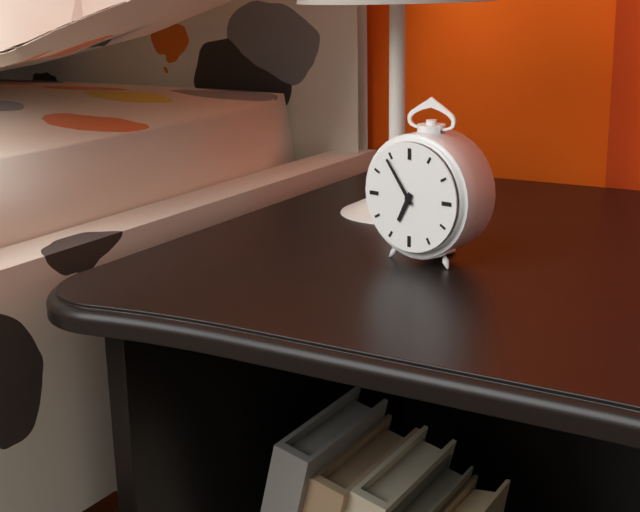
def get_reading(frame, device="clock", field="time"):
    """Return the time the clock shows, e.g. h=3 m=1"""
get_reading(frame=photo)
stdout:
h=6 m=54
